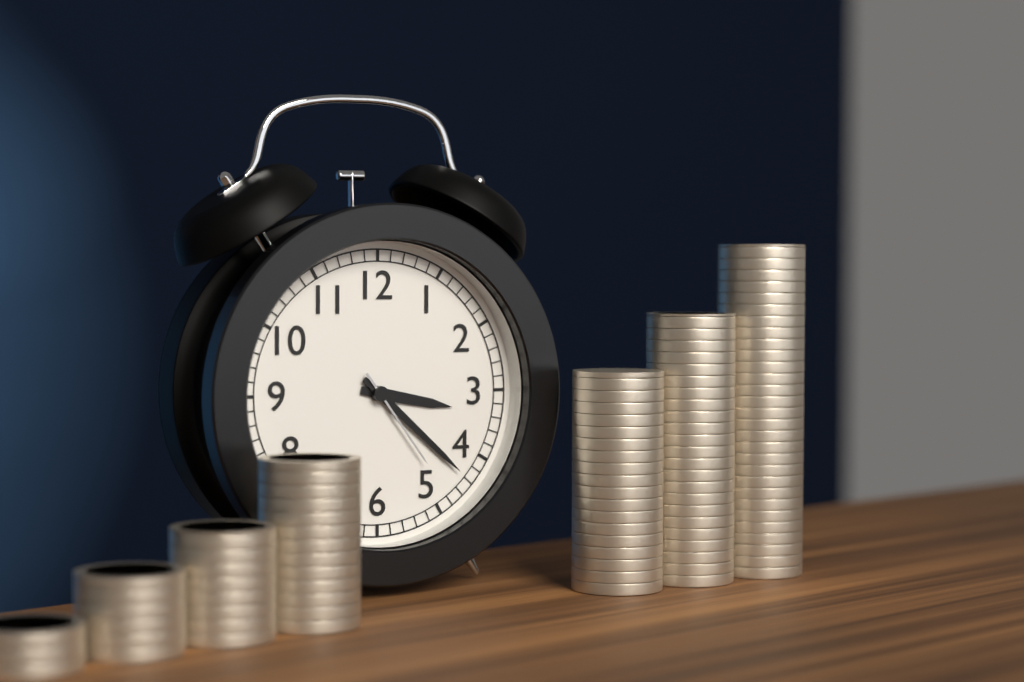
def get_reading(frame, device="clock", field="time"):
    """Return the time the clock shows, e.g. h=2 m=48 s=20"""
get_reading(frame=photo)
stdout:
h=3 m=22 s=24
